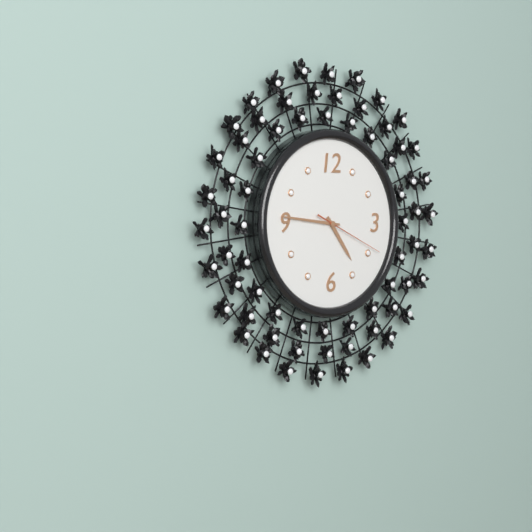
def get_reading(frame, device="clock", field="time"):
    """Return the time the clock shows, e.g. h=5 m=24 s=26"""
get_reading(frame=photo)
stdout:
h=4 m=46 s=19
